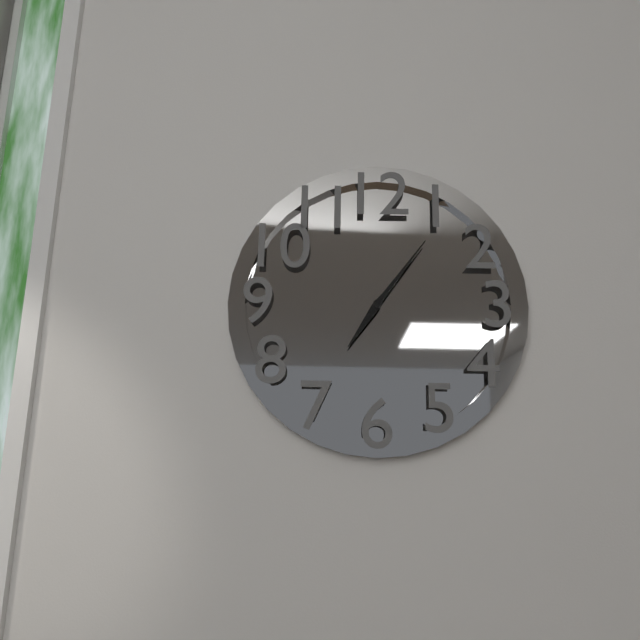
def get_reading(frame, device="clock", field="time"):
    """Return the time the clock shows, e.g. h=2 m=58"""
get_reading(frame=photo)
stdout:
h=7 m=6
